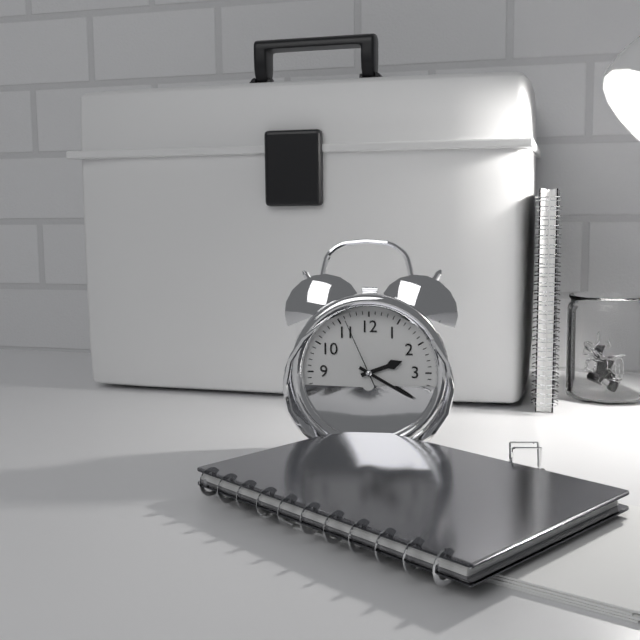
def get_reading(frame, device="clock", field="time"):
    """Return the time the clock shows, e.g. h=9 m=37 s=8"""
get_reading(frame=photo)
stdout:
h=2 m=20 s=56
